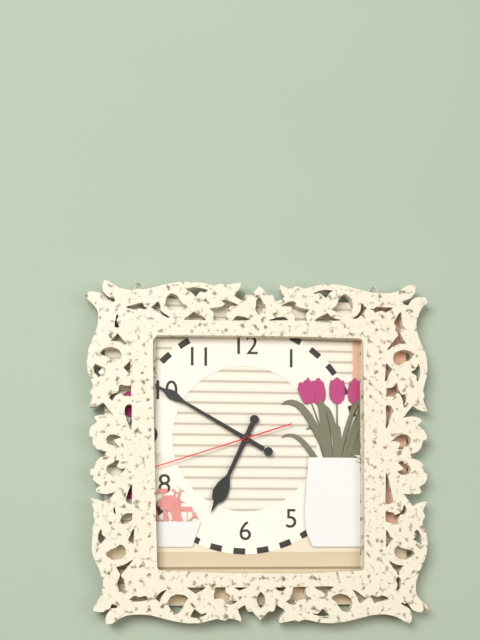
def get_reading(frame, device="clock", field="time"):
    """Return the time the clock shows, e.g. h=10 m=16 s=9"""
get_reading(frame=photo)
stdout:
h=6 m=50 s=42
